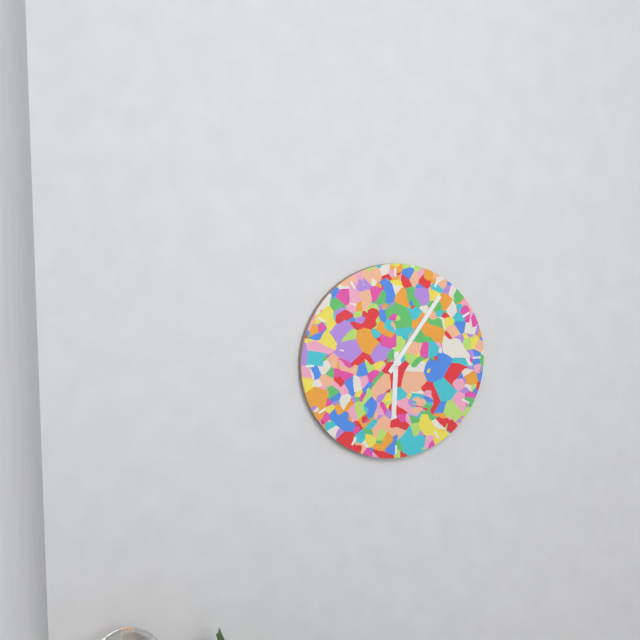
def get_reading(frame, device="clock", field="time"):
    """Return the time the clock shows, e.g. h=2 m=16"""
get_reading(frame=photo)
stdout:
h=6 m=6
